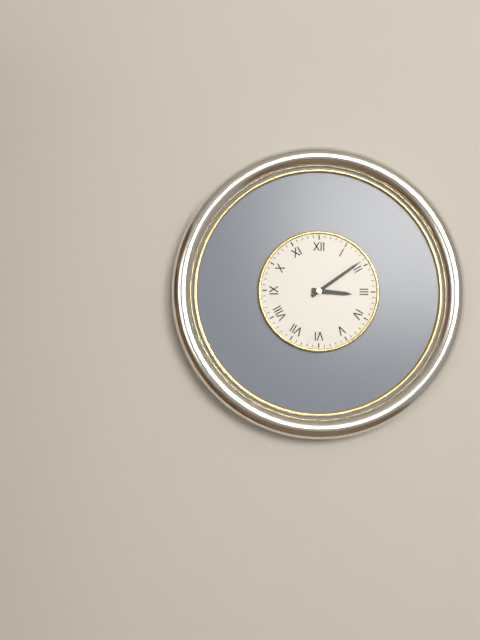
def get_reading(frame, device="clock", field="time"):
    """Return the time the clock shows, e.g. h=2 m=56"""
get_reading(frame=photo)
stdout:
h=3 m=9
